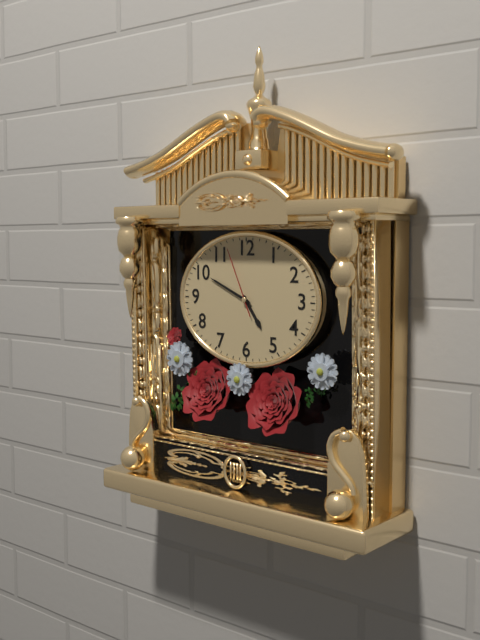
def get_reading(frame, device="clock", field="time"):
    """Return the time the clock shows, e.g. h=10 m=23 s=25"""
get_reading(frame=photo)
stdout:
h=4 m=49 s=56
